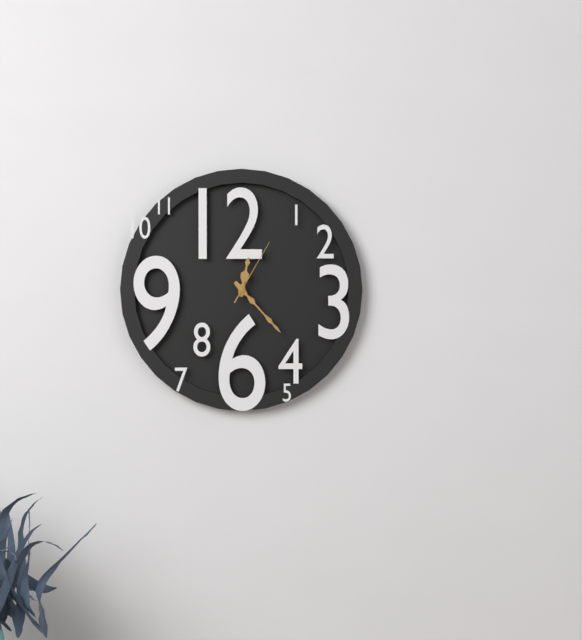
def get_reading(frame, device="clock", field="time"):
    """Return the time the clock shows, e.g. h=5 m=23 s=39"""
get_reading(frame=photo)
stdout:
h=12 m=23 s=5
